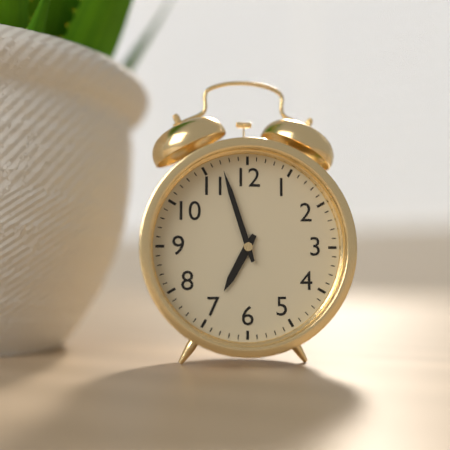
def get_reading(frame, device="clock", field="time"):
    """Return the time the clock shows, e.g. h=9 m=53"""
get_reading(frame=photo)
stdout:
h=6 m=57
